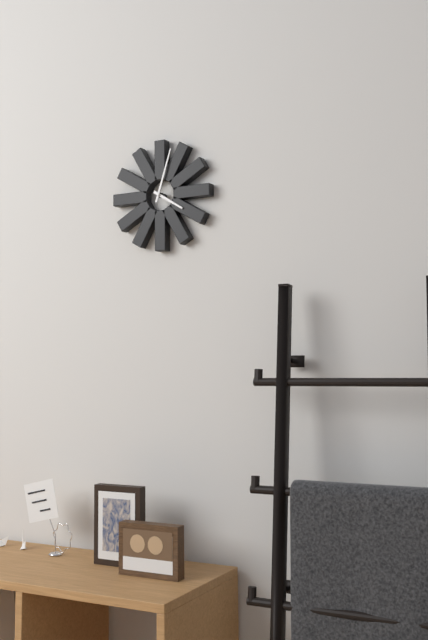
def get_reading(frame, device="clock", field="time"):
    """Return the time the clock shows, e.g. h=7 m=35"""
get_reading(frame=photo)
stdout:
h=4 m=3
